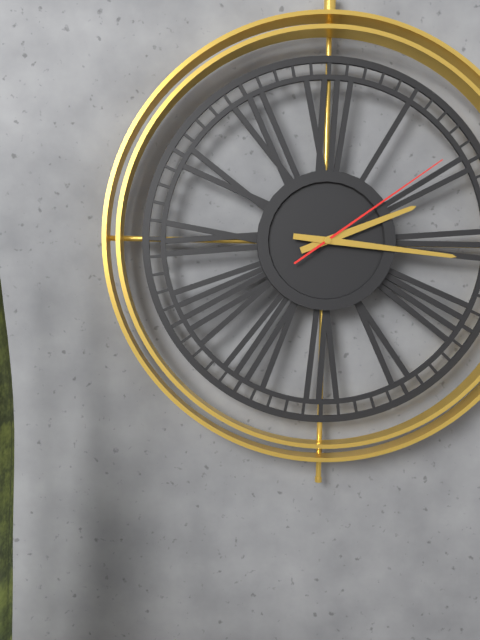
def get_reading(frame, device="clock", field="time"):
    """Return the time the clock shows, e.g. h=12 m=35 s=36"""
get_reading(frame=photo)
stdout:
h=2 m=16 s=9
